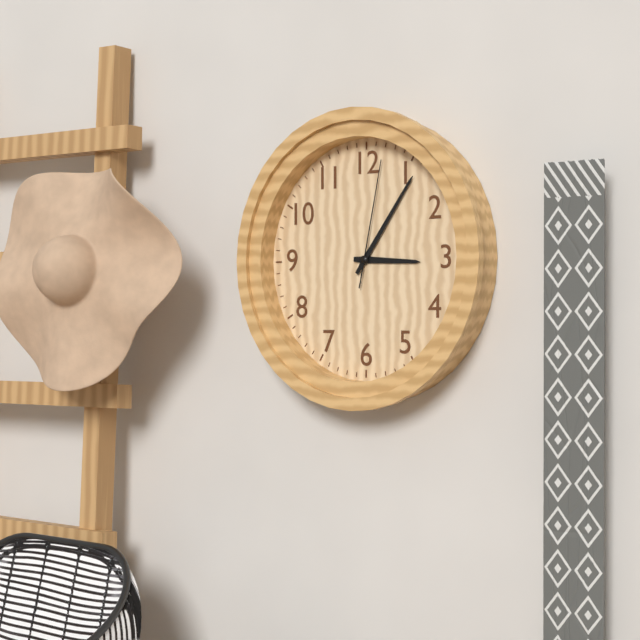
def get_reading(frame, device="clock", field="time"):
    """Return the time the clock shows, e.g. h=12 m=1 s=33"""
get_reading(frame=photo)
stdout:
h=3 m=6 s=2
